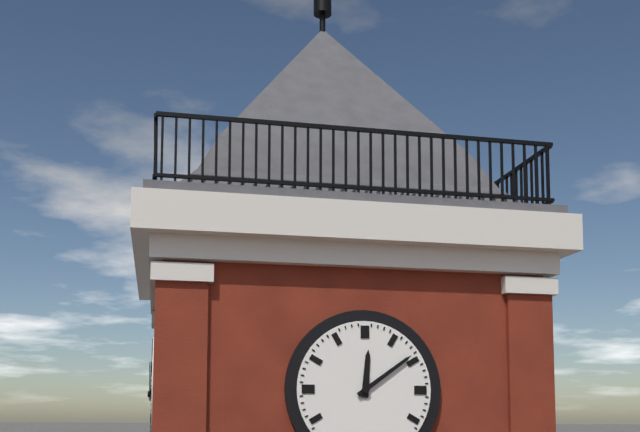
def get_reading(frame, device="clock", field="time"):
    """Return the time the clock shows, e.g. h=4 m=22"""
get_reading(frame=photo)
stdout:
h=12 m=9
